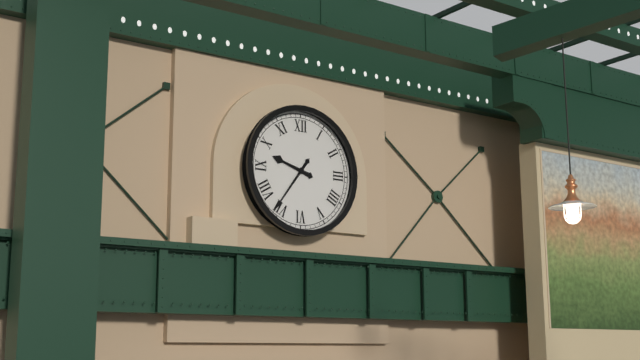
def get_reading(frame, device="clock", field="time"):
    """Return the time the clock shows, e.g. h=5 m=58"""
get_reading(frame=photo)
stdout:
h=9 m=36
